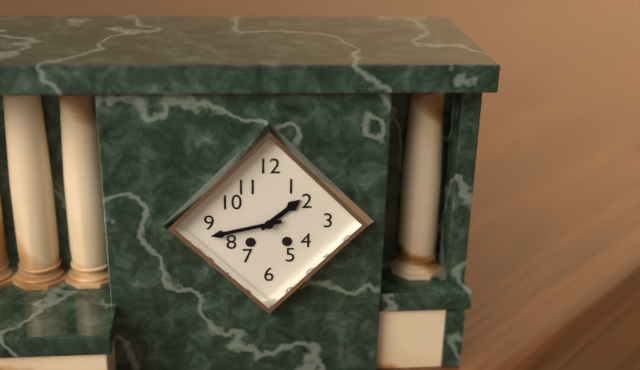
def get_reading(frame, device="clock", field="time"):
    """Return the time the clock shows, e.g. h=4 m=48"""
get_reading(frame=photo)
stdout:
h=1 m=43
